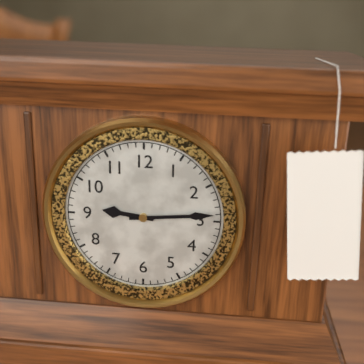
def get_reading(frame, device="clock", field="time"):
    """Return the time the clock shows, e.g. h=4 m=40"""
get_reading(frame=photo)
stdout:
h=9 m=14
